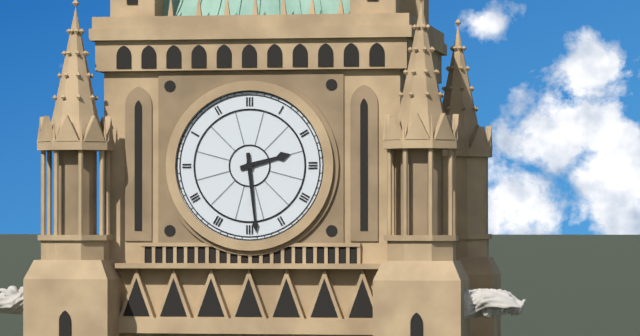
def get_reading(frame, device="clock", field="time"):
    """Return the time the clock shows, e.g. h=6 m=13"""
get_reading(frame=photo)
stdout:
h=2 m=29
